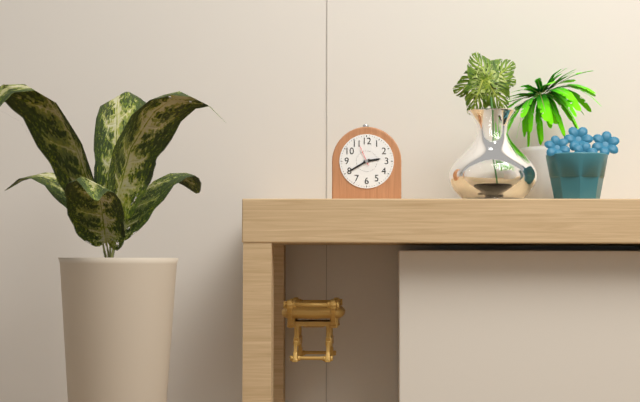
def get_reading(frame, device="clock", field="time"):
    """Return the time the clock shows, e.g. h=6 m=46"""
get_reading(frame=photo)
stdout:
h=2 m=40
